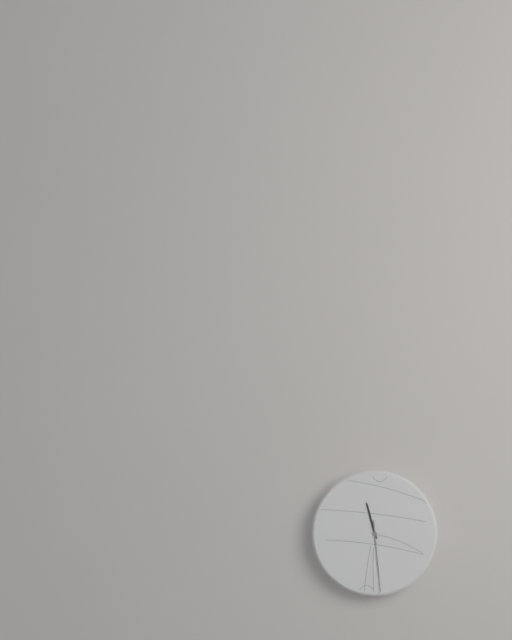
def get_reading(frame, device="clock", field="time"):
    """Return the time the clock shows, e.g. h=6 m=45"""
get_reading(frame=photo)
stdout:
h=11 m=29
